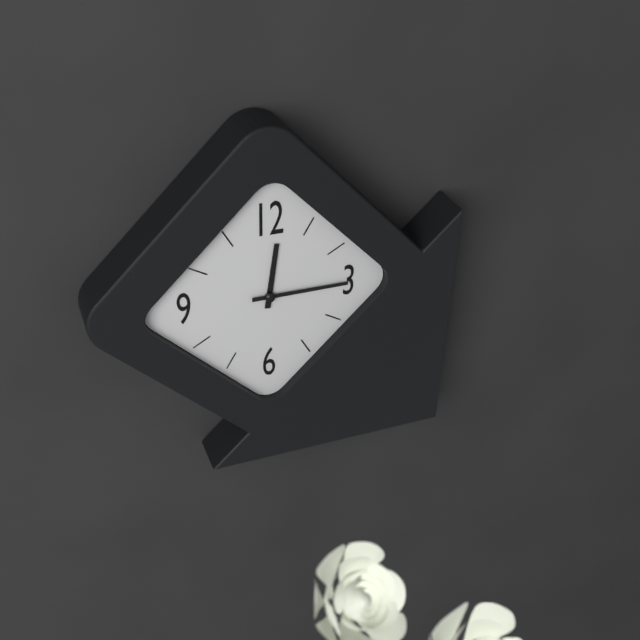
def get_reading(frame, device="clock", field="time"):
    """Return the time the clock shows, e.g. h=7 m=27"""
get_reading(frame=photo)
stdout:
h=12 m=15
